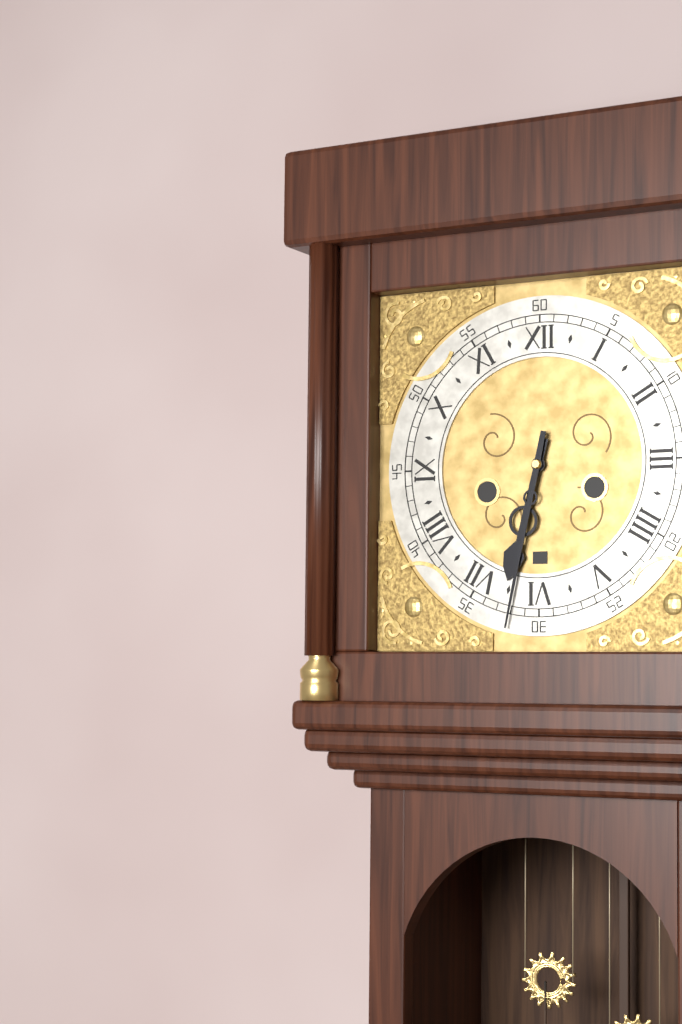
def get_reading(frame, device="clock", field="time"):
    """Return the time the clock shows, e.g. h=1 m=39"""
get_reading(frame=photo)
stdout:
h=6 m=32
